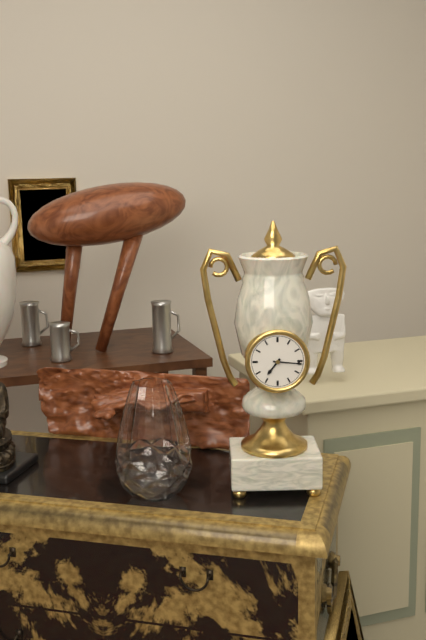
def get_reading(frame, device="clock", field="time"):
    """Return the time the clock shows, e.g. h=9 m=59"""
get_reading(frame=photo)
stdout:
h=7 m=16
